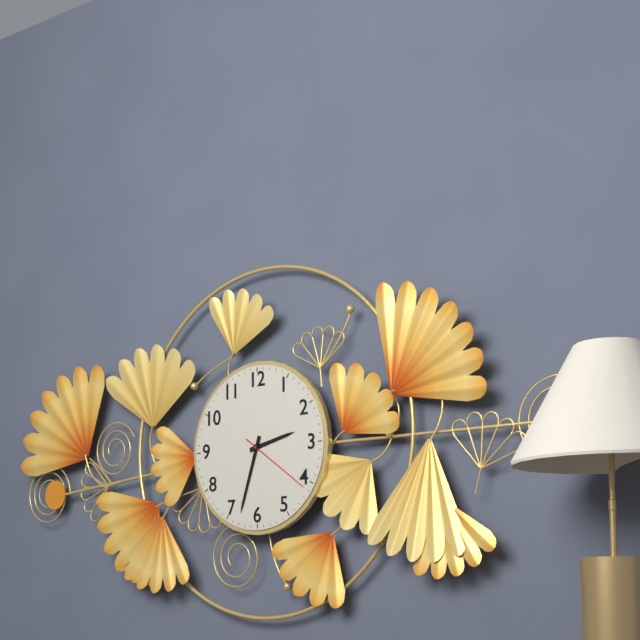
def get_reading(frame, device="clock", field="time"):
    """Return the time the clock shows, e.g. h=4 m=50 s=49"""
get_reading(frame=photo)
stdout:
h=2 m=33 s=21
